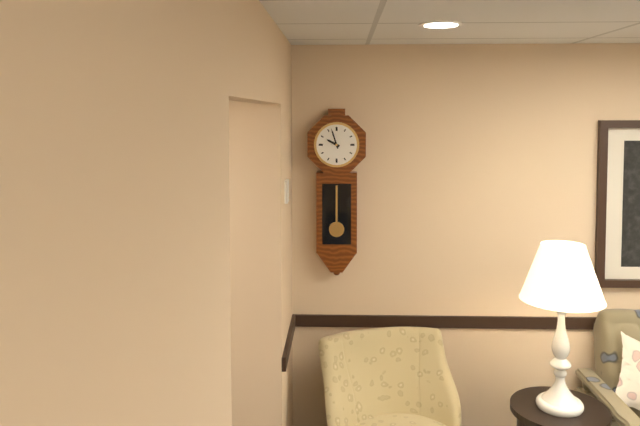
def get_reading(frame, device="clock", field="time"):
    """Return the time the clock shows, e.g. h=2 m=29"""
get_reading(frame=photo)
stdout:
h=9 m=57
